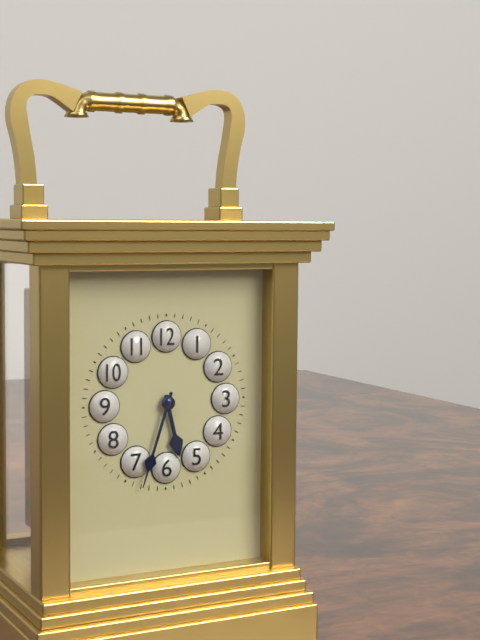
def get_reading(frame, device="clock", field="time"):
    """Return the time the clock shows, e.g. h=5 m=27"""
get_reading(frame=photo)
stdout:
h=5 m=33
